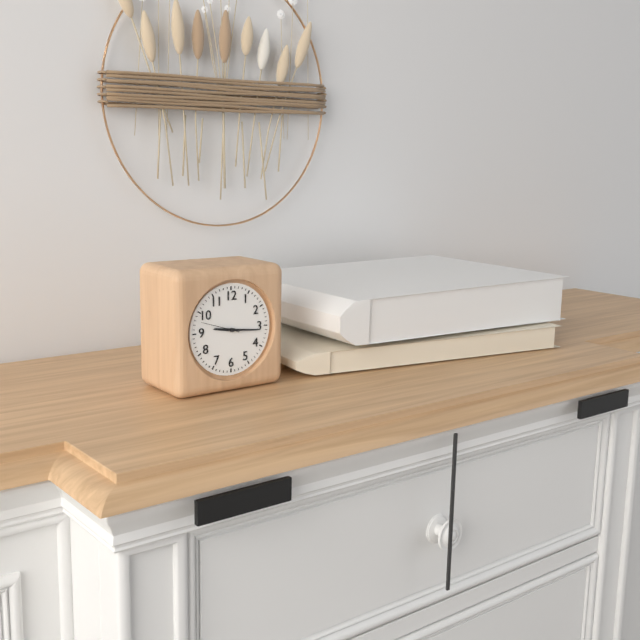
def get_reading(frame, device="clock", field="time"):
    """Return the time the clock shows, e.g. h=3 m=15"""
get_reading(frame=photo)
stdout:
h=9 m=16
